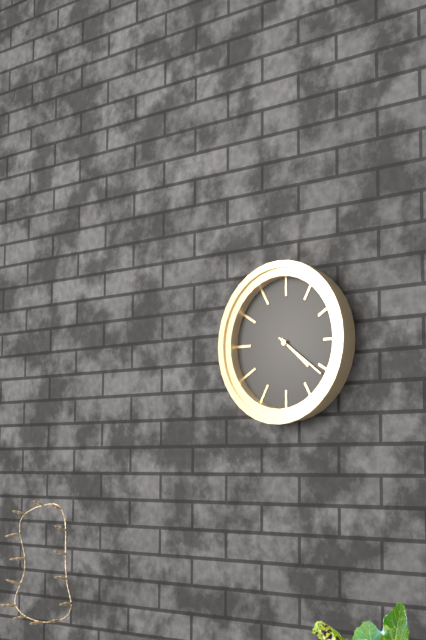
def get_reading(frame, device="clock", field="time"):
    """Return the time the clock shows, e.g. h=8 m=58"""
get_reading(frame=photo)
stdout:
h=4 m=21
